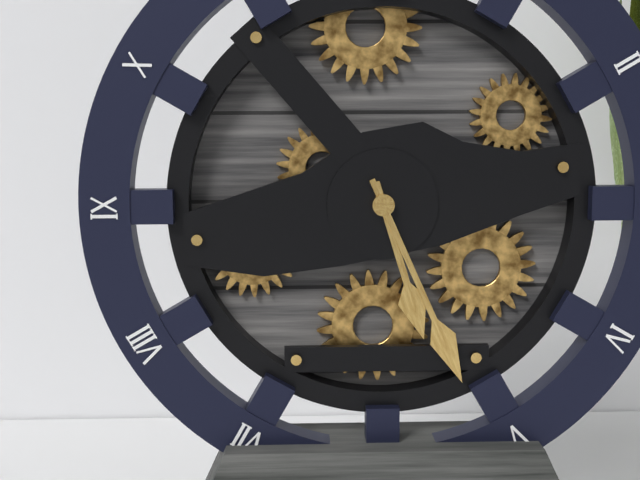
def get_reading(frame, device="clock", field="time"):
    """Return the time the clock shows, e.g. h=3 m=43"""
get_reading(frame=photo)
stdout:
h=5 m=26
